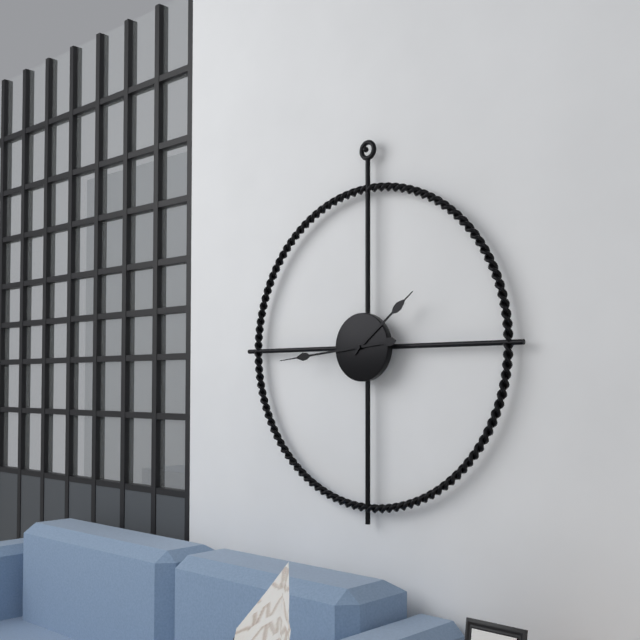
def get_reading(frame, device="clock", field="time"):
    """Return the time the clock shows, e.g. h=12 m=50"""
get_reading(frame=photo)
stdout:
h=1 m=44
